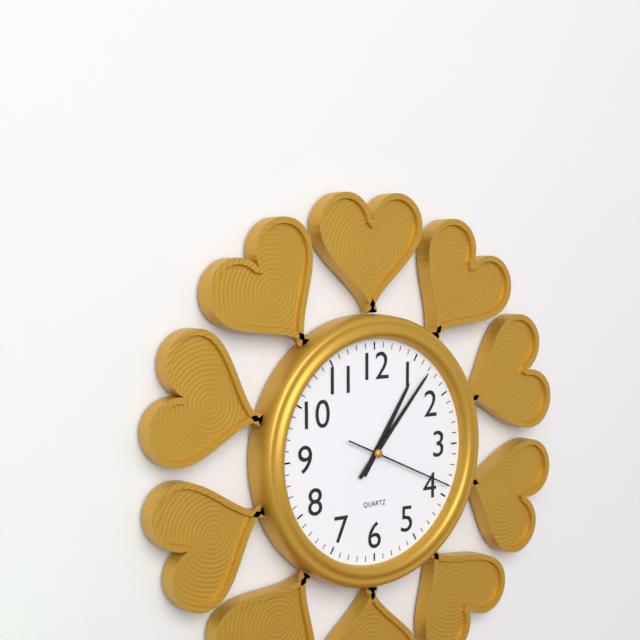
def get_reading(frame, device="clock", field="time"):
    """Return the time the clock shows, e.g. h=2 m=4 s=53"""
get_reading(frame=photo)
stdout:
h=1 m=7 s=19
